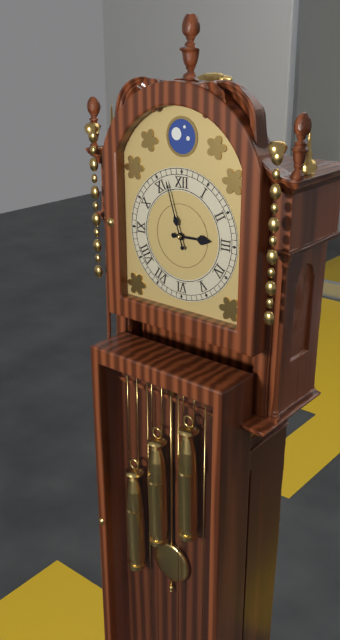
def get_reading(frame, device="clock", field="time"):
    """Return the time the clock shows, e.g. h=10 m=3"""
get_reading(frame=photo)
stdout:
h=2 m=57
